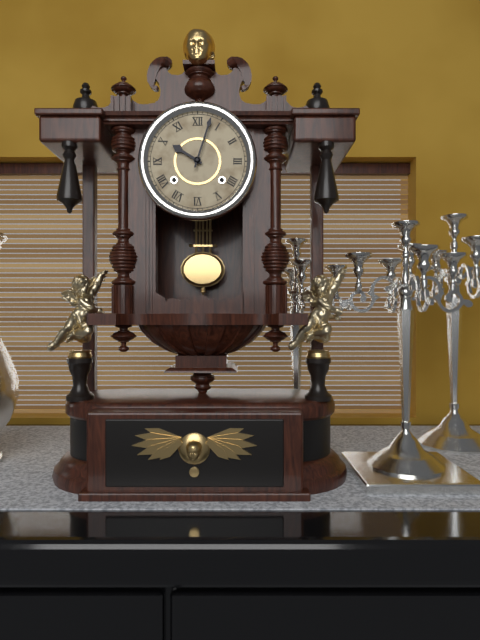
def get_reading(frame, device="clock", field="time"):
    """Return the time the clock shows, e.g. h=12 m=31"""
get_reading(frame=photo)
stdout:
h=10 m=3
